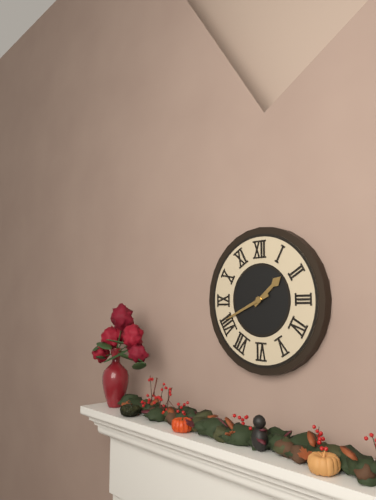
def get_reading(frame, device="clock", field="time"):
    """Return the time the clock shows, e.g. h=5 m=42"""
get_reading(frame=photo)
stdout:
h=1 m=41
